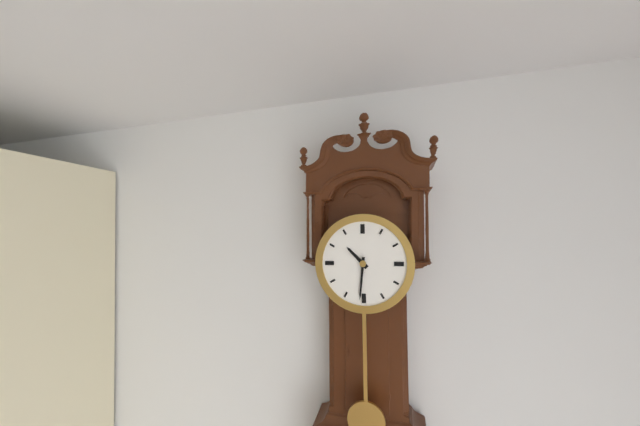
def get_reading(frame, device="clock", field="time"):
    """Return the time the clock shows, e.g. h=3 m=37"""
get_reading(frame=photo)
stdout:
h=10 m=31
